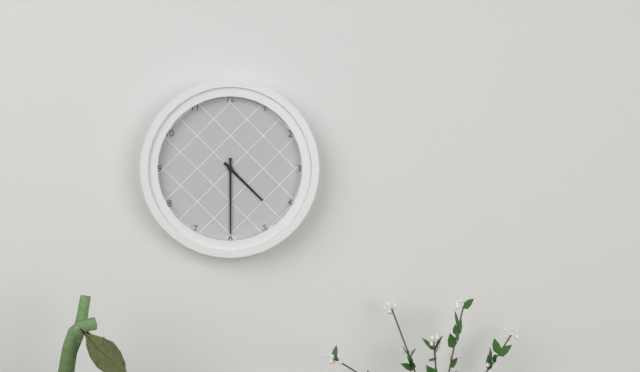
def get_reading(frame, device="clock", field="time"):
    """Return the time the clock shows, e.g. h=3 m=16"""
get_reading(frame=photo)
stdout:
h=4 m=30
